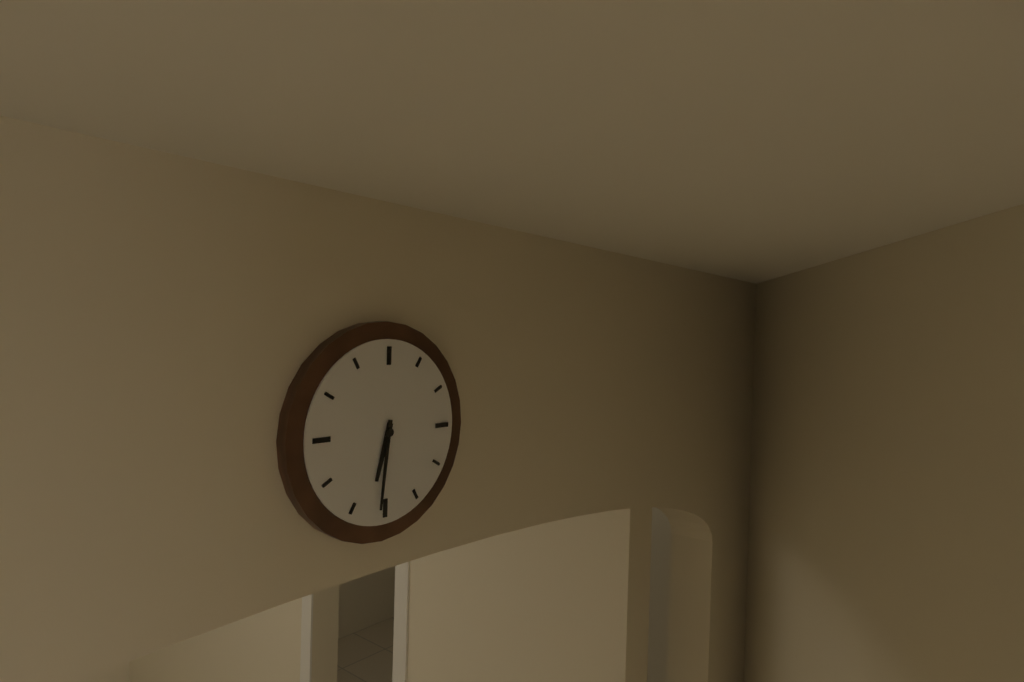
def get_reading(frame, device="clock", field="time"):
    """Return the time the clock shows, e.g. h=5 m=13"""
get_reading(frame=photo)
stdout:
h=6 m=31
